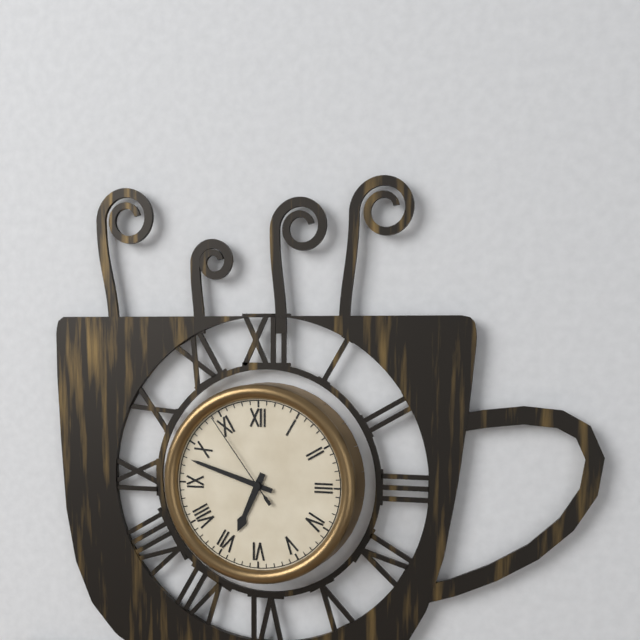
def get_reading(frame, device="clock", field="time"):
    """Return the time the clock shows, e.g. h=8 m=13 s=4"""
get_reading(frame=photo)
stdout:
h=6 m=48 s=54
